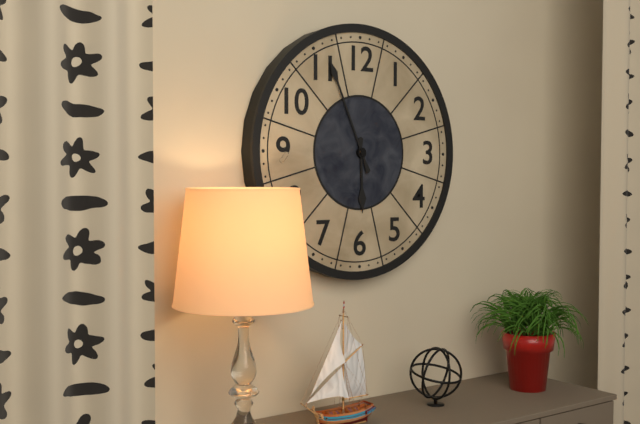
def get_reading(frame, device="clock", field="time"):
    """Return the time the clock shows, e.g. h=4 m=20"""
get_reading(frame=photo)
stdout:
h=5 m=56
